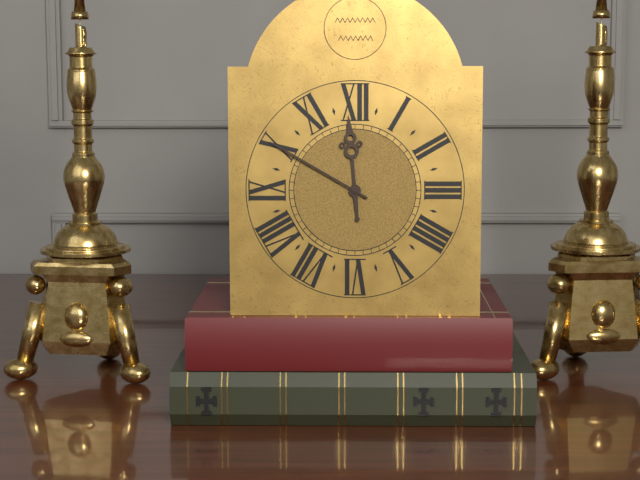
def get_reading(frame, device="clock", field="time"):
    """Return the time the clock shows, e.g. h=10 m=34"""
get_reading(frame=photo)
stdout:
h=11 m=50
